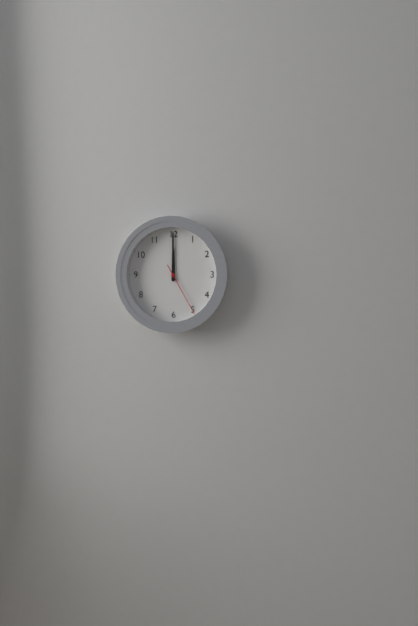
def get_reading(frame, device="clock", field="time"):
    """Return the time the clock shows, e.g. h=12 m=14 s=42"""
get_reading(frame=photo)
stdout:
h=12 m=0 s=25
